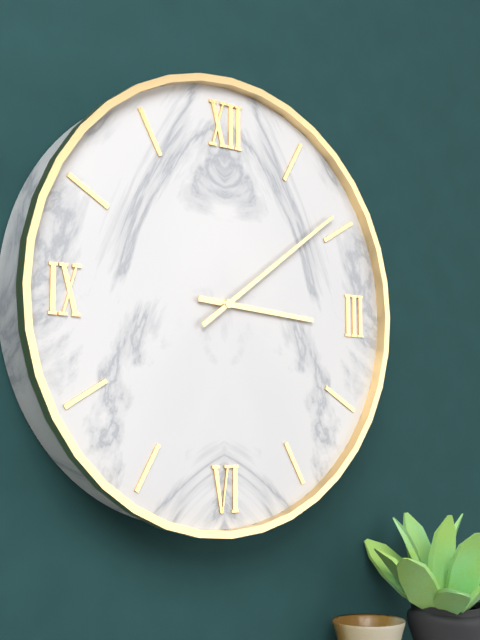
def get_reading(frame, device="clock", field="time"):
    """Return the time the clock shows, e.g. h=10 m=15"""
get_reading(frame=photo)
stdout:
h=3 m=9
